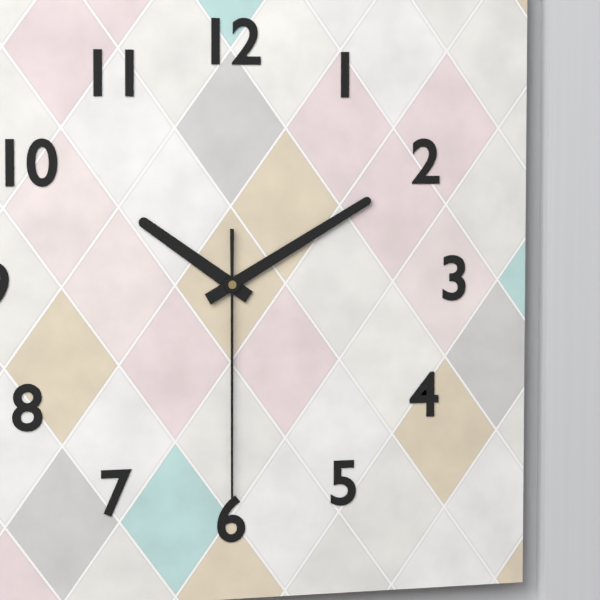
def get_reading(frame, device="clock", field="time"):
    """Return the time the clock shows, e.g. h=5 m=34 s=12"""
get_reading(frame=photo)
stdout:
h=10 m=10 s=30
